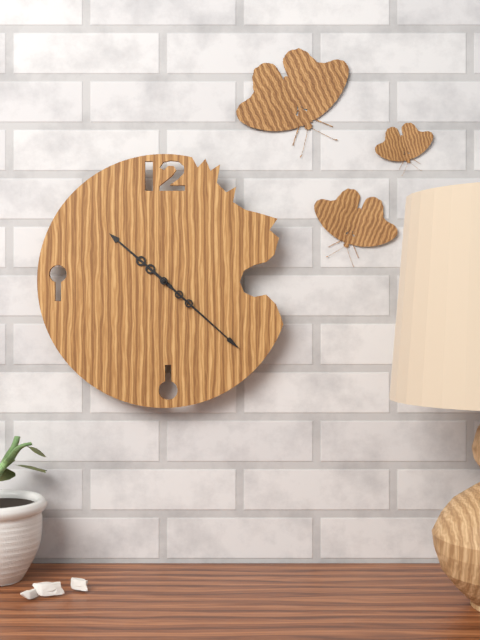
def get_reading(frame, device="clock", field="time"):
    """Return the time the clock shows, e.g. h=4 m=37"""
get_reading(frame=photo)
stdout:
h=10 m=22
